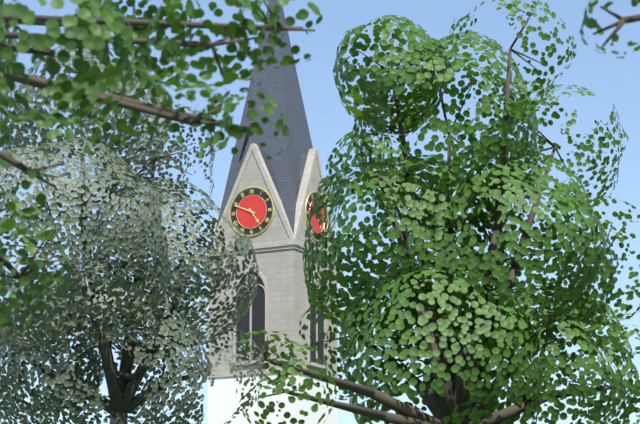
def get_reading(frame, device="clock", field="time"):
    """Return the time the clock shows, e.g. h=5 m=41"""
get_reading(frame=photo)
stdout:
h=4 m=49
